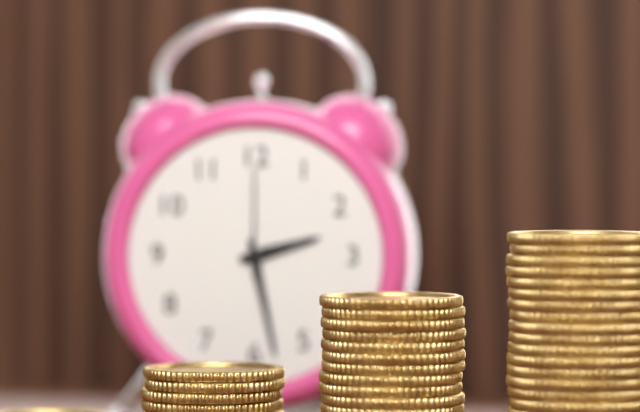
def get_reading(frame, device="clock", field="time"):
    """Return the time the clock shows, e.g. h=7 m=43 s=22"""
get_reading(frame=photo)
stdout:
h=2 m=28 s=0
